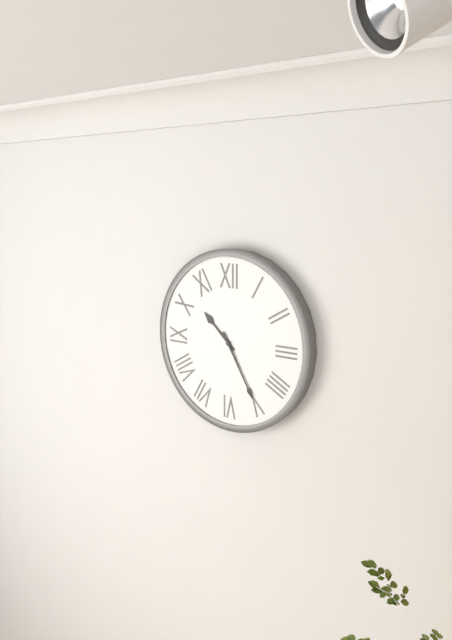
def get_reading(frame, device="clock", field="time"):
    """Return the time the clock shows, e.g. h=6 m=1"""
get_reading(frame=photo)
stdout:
h=10 m=25
